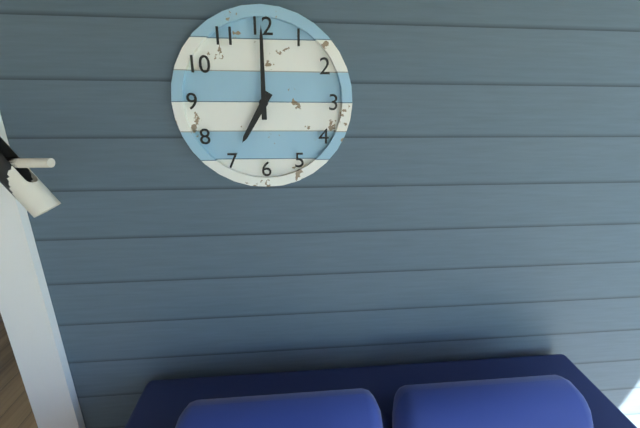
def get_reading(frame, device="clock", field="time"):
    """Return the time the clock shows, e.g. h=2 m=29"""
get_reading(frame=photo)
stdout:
h=7 m=0
